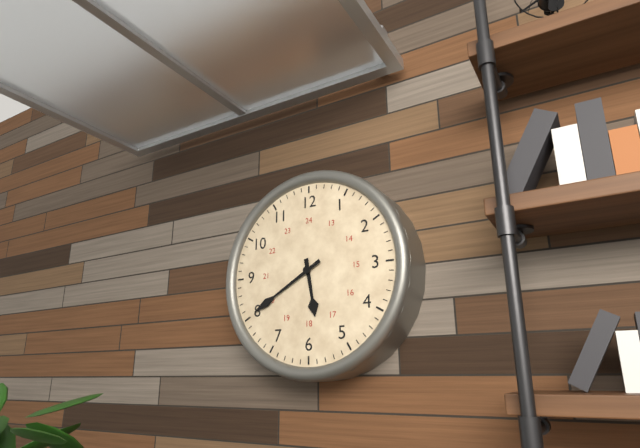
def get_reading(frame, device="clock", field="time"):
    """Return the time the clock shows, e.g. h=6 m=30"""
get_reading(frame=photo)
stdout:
h=5 m=40
